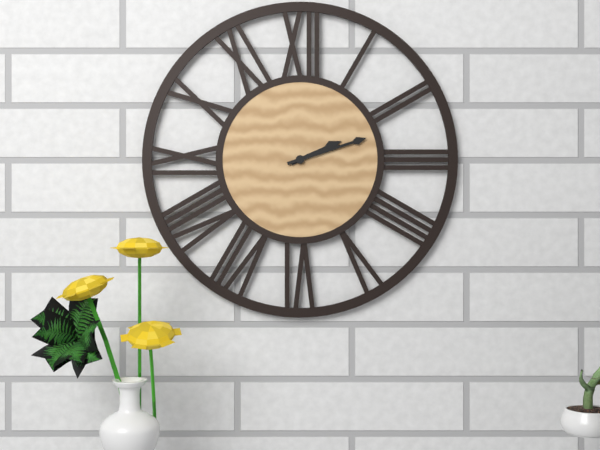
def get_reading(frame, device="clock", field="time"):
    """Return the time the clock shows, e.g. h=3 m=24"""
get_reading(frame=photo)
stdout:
h=2 m=12
